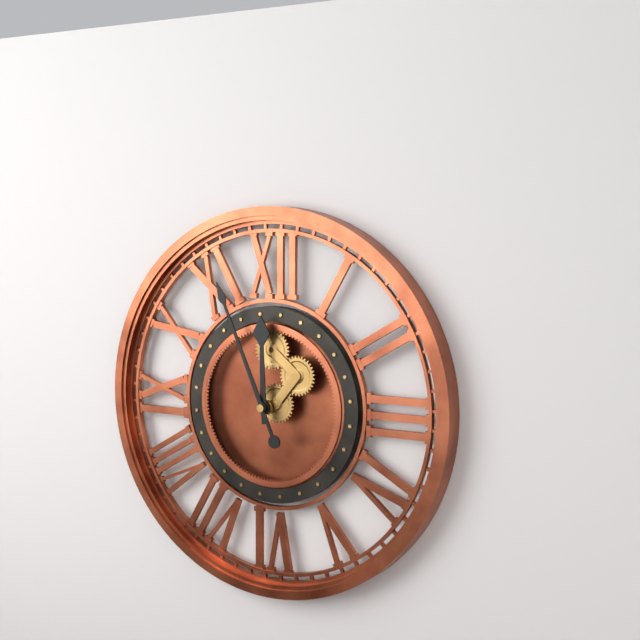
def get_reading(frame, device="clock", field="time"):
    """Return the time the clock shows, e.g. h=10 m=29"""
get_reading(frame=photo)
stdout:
h=11 m=56
